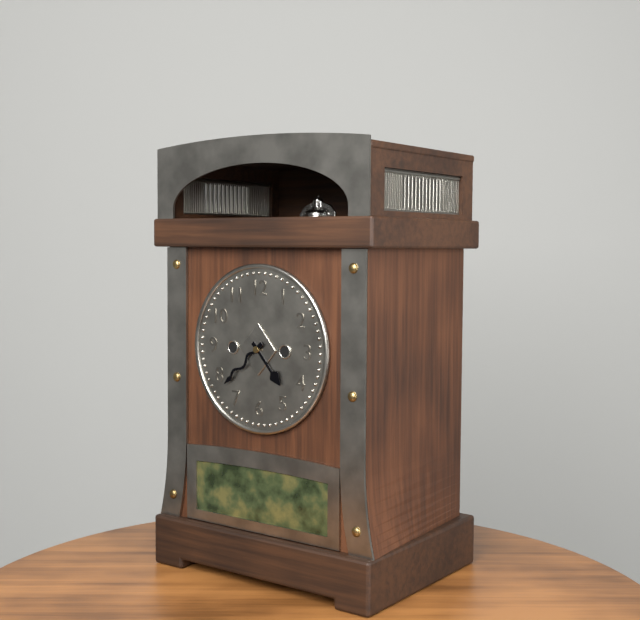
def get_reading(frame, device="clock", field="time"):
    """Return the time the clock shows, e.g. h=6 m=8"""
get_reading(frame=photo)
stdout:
h=4 m=38
